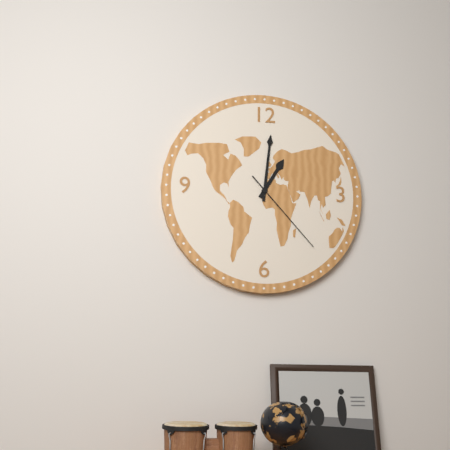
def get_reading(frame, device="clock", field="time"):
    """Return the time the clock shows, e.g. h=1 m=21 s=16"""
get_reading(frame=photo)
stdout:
h=1 m=1 s=23
